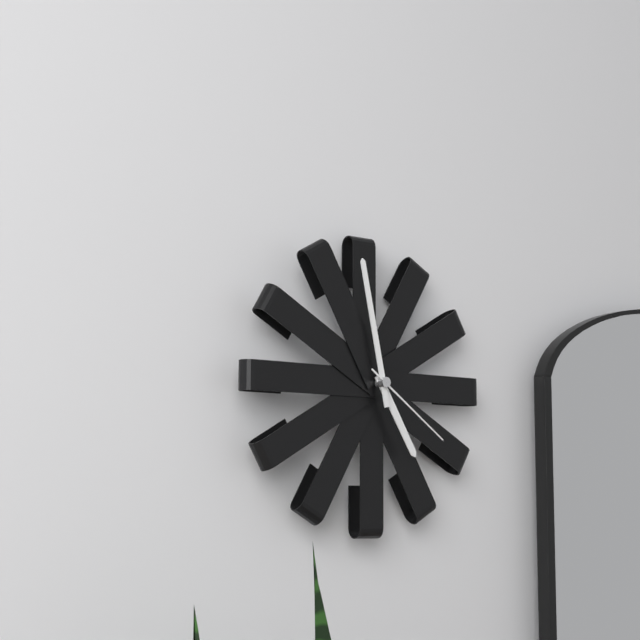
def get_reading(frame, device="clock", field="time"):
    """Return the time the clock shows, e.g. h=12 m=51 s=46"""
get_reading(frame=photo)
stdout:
h=4 m=58 s=21
